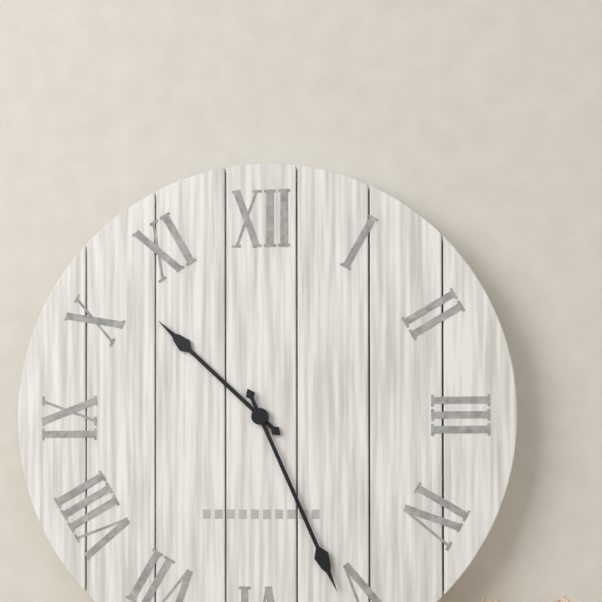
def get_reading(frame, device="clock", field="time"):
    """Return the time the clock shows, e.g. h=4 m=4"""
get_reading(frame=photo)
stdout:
h=10 m=26
